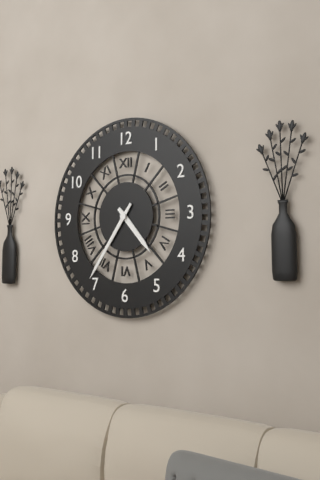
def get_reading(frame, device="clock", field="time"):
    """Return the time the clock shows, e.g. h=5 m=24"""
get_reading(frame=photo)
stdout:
h=4 m=36
